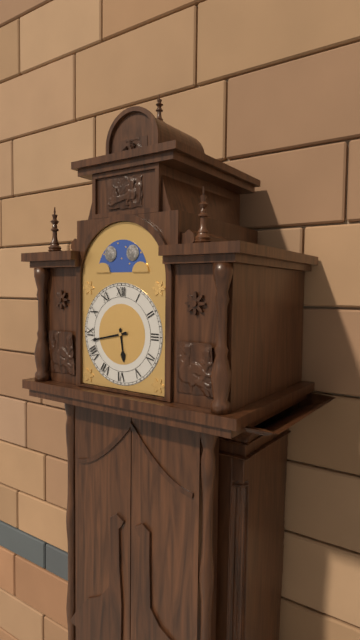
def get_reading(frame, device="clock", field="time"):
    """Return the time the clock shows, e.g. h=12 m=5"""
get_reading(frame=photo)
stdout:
h=5 m=43
